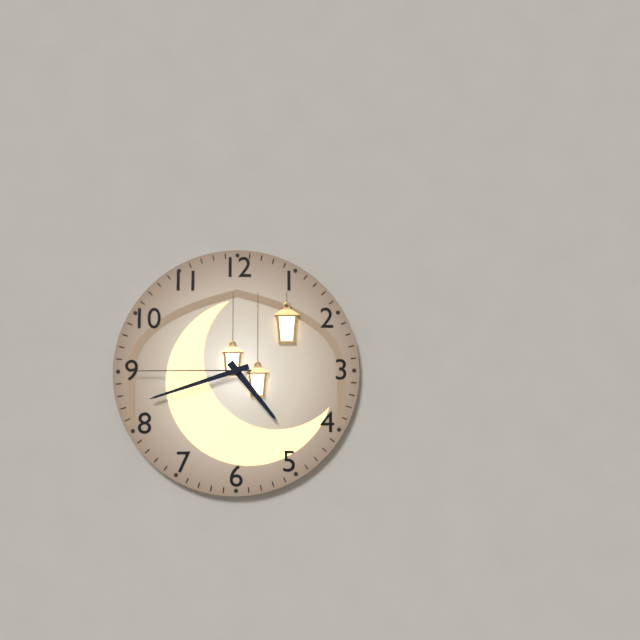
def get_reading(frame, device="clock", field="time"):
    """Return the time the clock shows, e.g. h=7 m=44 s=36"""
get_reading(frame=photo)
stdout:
h=4 m=42 s=45
